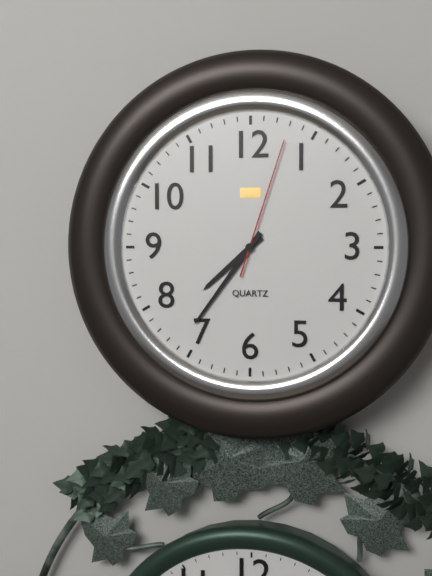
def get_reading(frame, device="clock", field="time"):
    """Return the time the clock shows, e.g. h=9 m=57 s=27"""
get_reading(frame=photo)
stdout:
h=7 m=36 s=3
